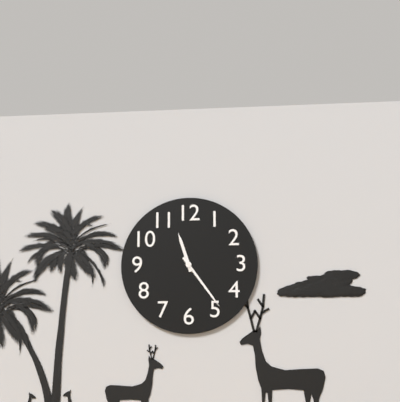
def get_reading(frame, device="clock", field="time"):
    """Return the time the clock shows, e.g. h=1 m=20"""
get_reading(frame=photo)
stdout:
h=11 m=24
